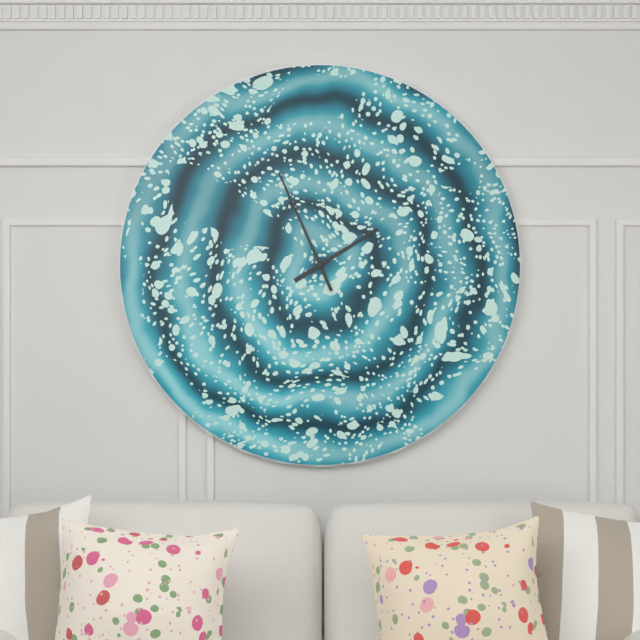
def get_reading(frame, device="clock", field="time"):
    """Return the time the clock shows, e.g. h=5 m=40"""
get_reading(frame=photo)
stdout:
h=1 m=56
